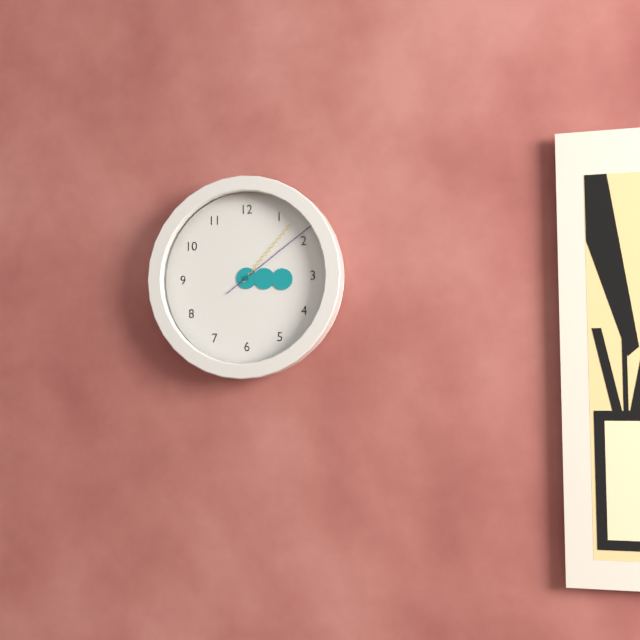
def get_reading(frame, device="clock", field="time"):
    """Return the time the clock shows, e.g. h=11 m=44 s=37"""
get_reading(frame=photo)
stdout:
h=3 m=7 s=9
